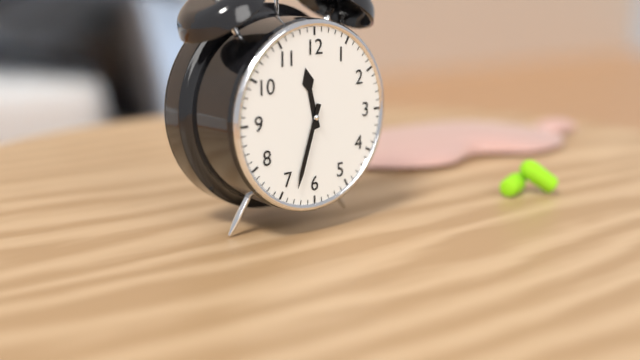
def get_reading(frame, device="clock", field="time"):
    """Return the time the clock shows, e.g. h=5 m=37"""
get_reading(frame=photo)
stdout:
h=11 m=33
